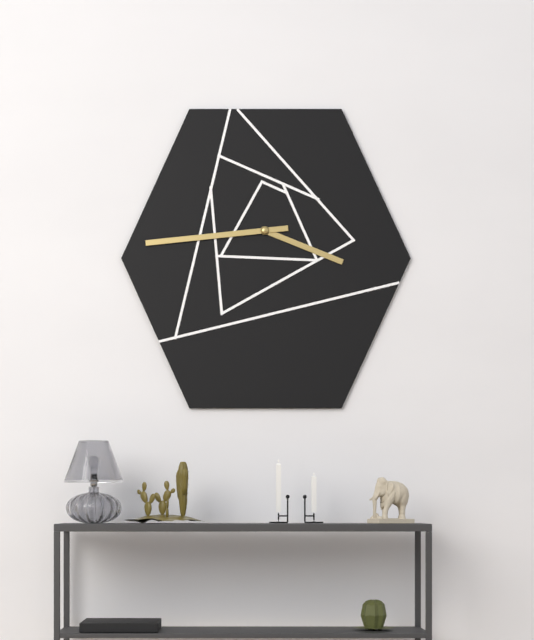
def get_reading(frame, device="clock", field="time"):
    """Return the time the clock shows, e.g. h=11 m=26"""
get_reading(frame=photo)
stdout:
h=3 m=44
